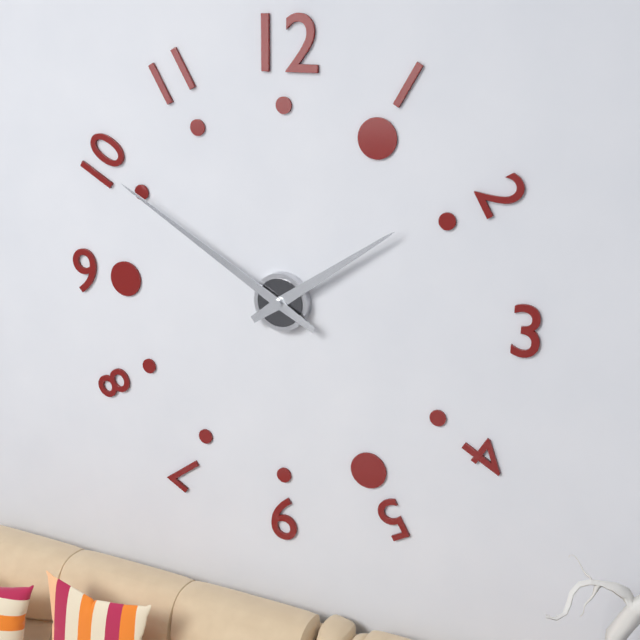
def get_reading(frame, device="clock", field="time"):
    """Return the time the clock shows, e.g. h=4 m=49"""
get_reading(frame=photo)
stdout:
h=1 m=50
